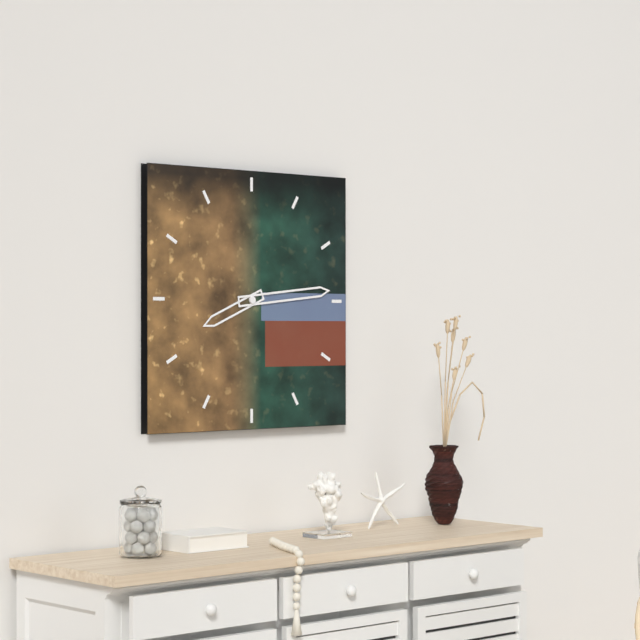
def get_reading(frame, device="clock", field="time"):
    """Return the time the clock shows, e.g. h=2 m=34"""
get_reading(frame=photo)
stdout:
h=8 m=14
